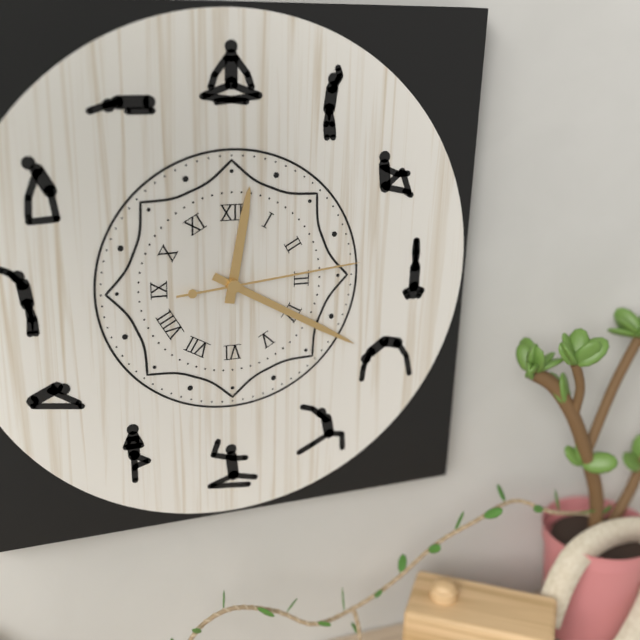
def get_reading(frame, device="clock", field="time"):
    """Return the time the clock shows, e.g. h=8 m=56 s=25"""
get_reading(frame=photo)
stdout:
h=12 m=20 s=14
